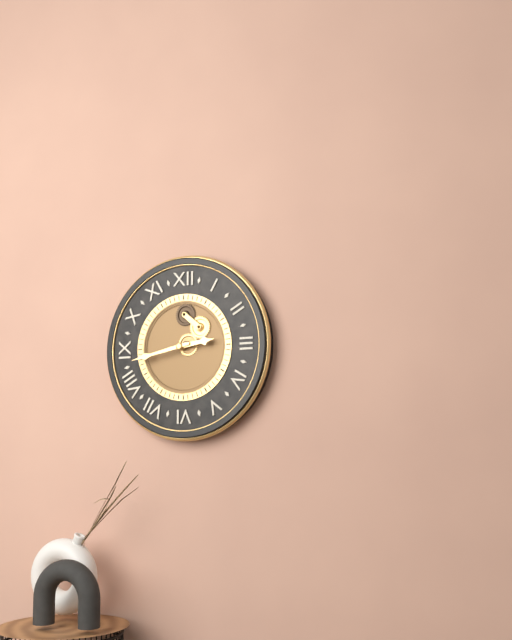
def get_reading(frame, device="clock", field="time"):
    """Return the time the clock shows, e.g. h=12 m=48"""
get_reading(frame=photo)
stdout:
h=2 m=43
